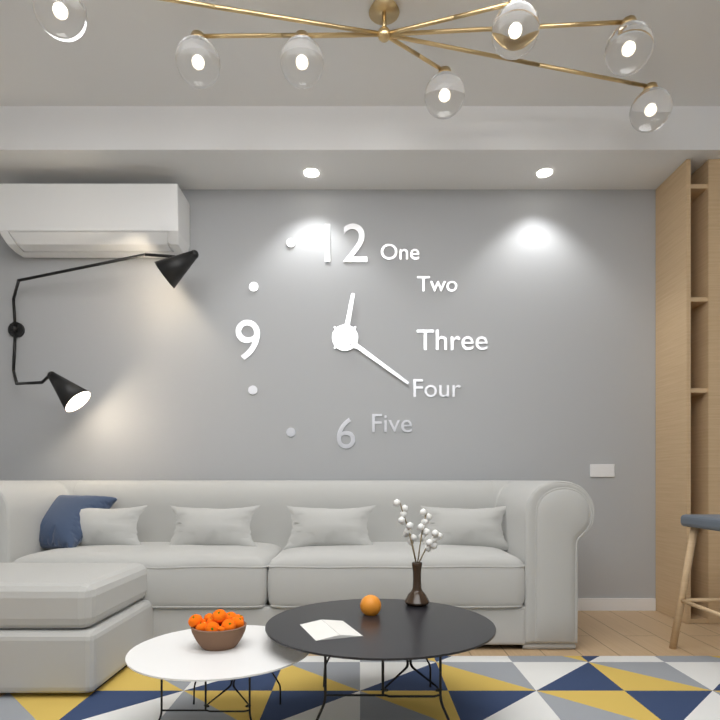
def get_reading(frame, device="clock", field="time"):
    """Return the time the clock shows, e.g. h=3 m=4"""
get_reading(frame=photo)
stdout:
h=12 m=21
